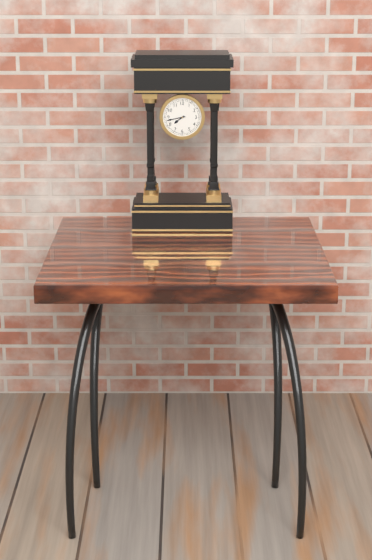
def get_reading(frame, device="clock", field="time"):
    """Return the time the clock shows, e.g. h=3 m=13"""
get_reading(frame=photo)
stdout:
h=7 m=43
